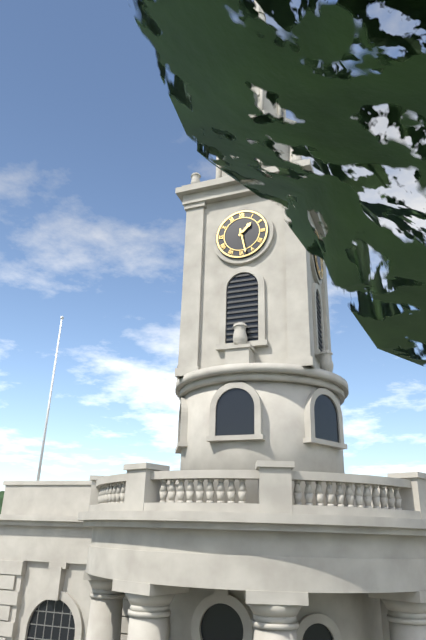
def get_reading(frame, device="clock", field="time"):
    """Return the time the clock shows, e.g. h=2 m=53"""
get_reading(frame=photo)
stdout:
h=1 m=28
